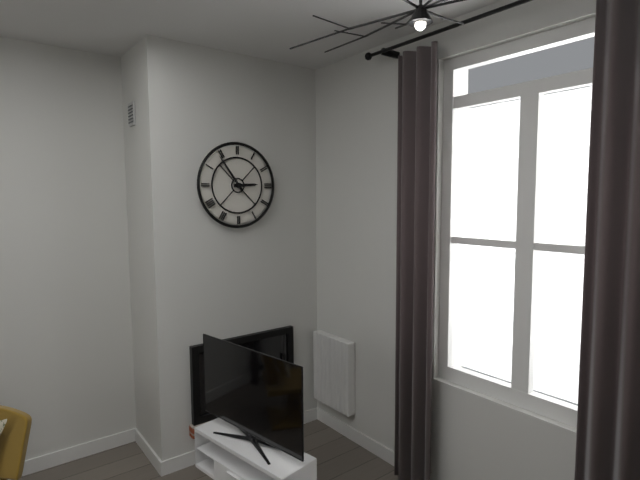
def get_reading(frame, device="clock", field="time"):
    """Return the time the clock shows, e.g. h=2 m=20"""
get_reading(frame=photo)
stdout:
h=2 m=54
